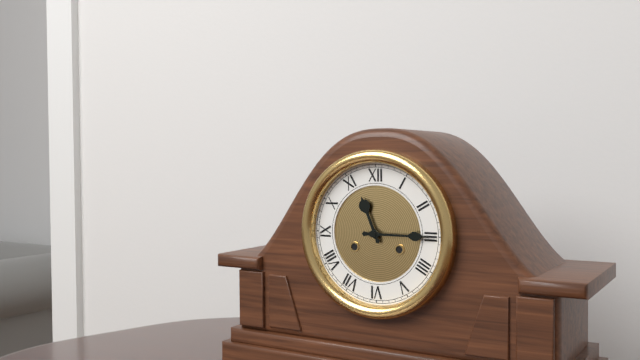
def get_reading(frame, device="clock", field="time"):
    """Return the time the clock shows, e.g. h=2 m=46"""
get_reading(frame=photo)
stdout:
h=11 m=15
